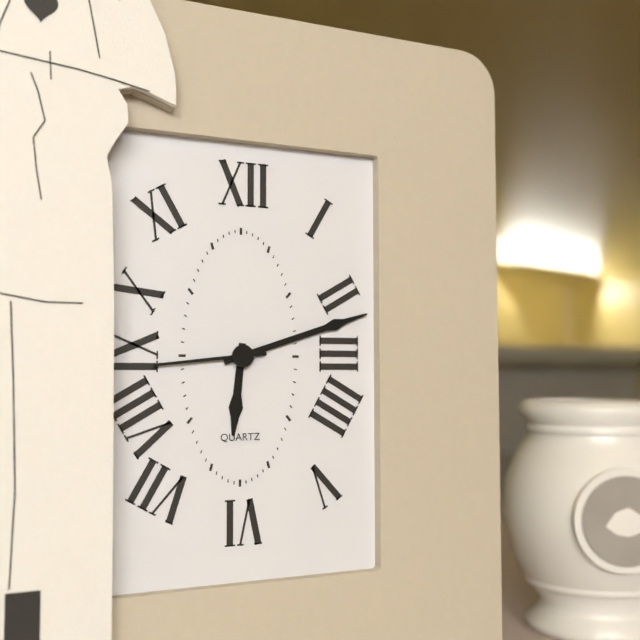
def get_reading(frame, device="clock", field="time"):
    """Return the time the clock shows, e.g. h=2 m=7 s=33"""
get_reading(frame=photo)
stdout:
h=6 m=12 s=44
